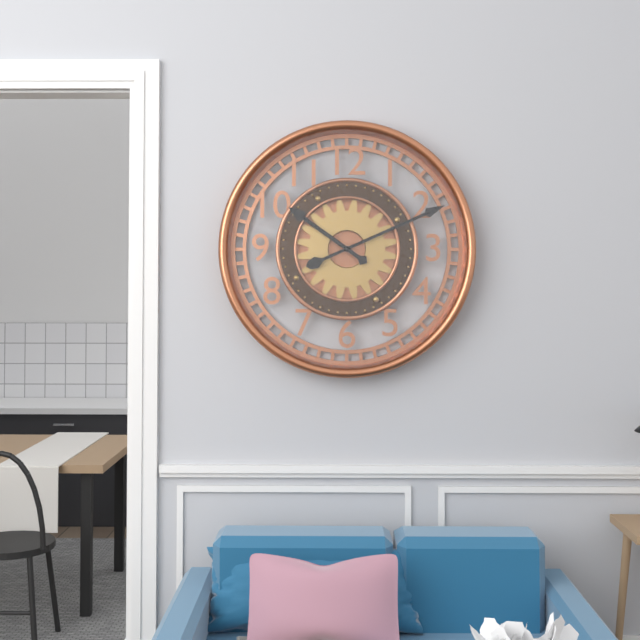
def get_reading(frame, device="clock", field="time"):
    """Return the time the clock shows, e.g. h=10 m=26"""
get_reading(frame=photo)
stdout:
h=10 m=11
